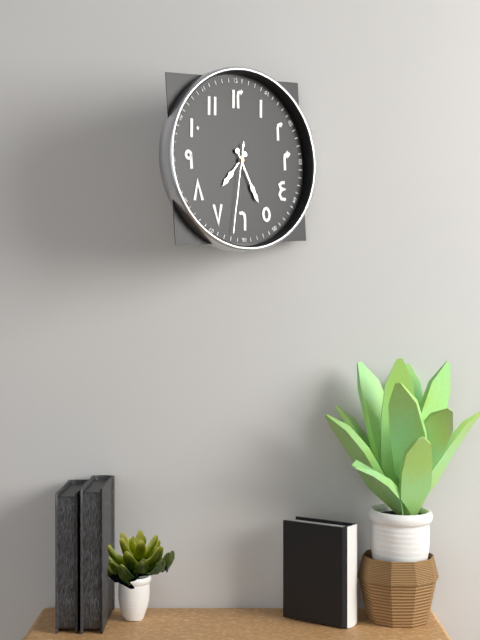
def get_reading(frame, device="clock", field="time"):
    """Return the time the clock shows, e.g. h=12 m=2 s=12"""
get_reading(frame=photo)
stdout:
h=7 m=26 s=32
